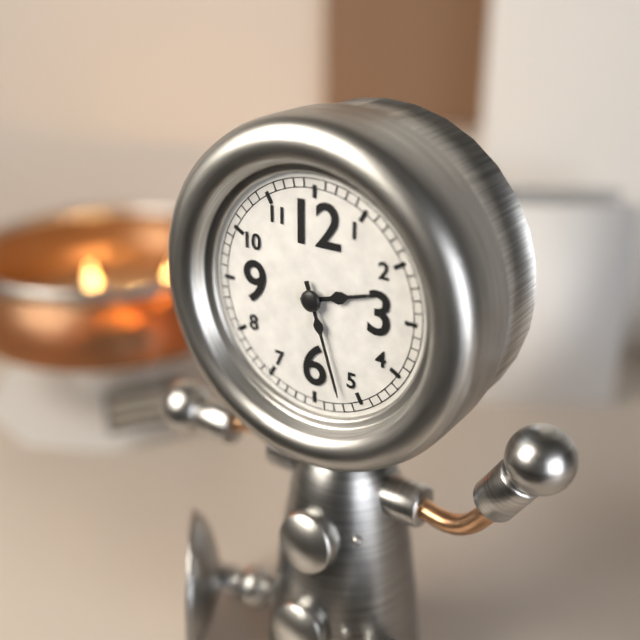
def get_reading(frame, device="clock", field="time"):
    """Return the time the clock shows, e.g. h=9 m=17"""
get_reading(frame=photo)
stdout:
h=2 m=27
